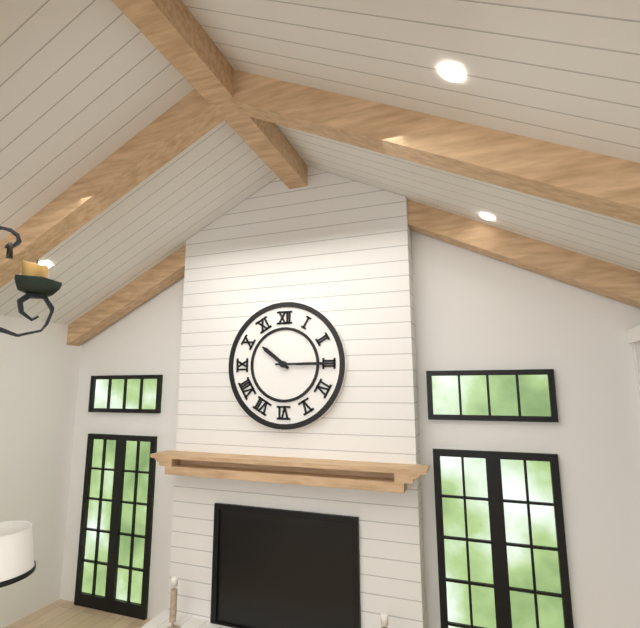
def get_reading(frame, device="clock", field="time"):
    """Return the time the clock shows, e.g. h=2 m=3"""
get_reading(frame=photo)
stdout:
h=10 m=15
